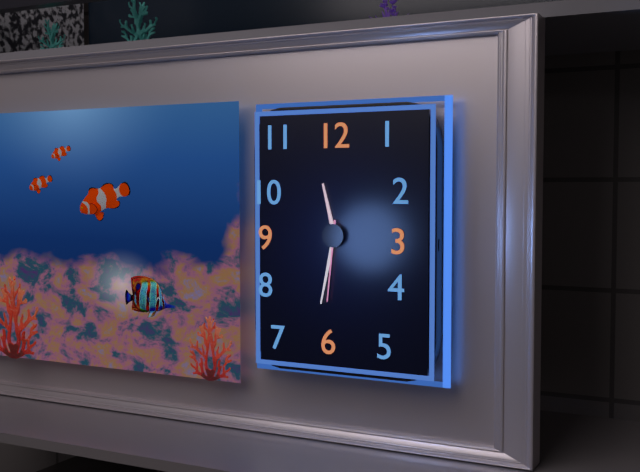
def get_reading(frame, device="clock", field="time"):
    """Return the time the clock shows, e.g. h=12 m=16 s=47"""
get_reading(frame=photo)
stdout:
h=11 m=32 s=31
